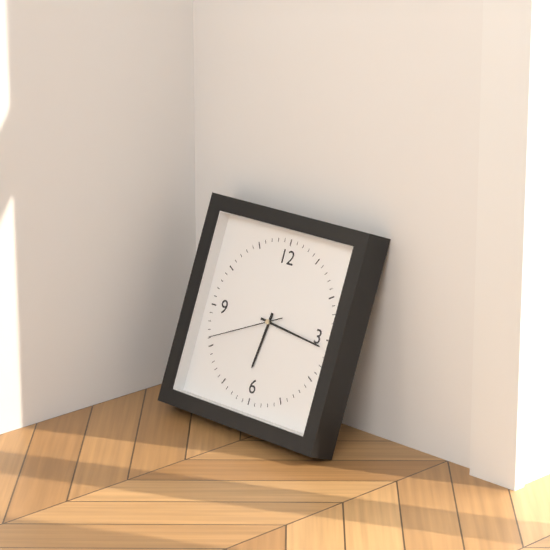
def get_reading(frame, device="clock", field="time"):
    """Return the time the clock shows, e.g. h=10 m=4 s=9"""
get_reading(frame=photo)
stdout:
h=6 m=16 s=41
